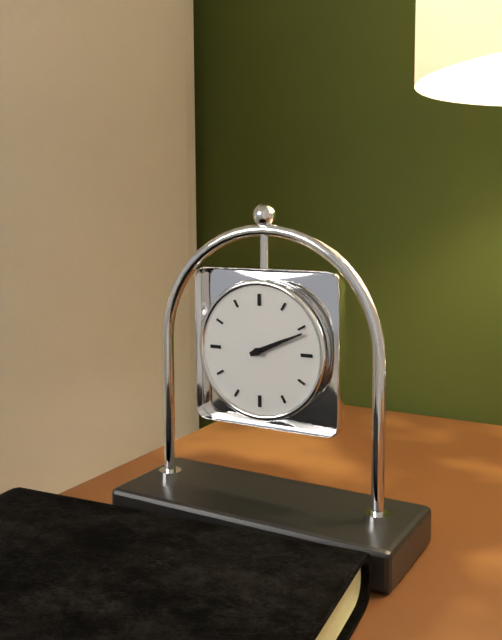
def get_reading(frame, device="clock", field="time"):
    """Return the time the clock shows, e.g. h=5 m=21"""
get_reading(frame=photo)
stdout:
h=2 m=11
